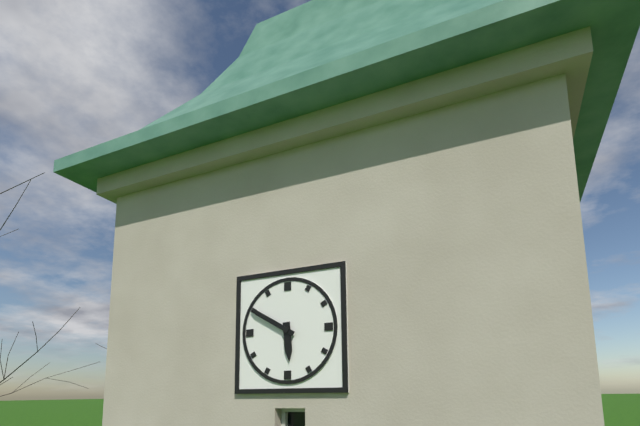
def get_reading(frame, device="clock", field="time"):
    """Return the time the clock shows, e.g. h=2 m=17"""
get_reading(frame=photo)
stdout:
h=5 m=50
